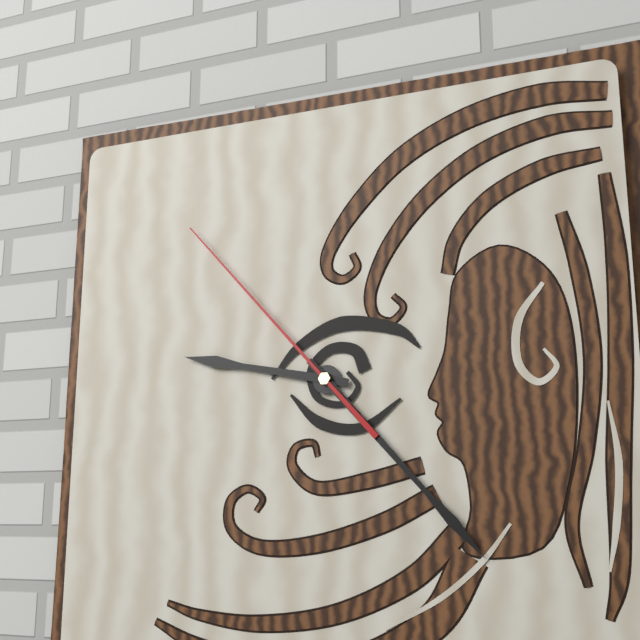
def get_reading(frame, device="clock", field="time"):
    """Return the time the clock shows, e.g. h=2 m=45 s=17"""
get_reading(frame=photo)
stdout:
h=9 m=23 s=53
